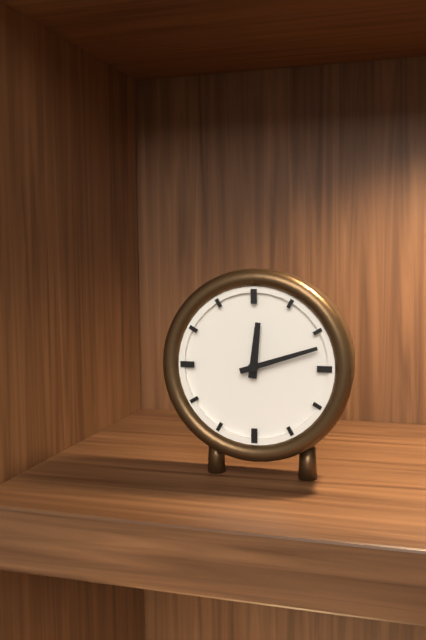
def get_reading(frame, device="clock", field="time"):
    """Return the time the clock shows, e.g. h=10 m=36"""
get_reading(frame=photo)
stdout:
h=12 m=12
